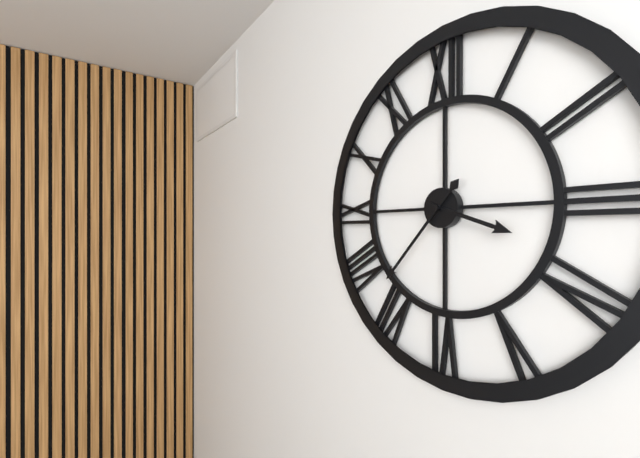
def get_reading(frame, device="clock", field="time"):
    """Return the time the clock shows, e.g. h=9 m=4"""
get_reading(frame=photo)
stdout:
h=3 m=37
